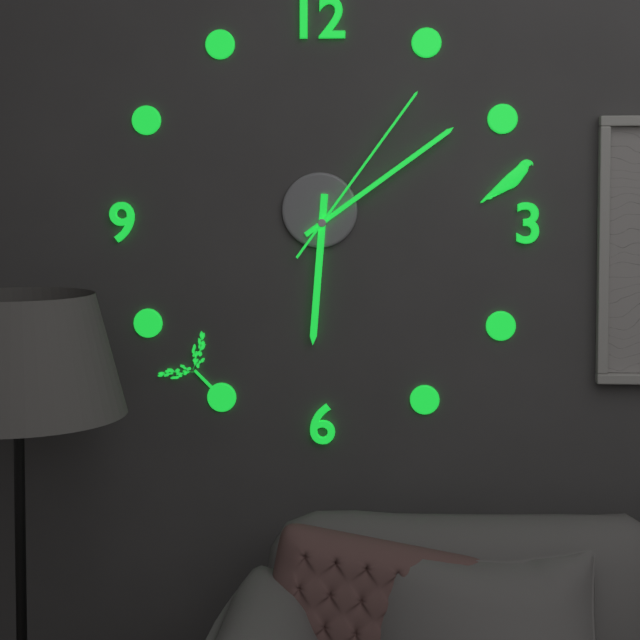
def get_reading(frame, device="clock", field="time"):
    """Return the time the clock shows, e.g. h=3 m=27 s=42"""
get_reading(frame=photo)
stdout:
h=6 m=9 s=6
